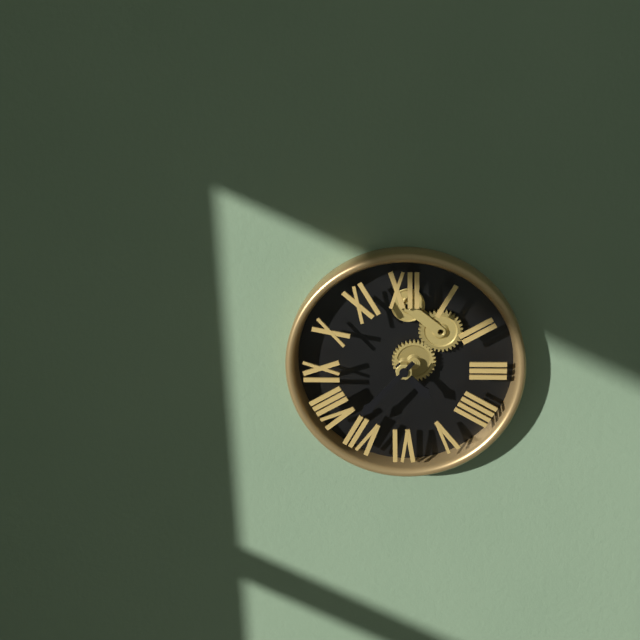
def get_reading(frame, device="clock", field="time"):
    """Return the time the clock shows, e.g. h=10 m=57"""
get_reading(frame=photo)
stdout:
h=4 m=37
